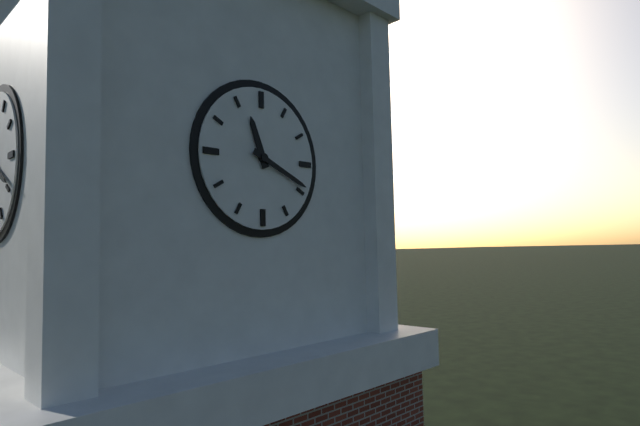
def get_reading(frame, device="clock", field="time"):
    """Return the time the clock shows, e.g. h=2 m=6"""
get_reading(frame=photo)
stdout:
h=11 m=19
